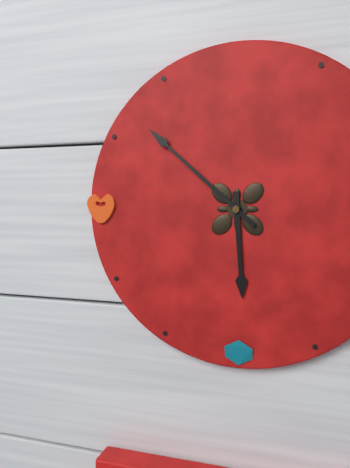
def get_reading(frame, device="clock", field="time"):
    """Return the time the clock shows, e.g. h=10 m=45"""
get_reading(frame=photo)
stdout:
h=5 m=52
